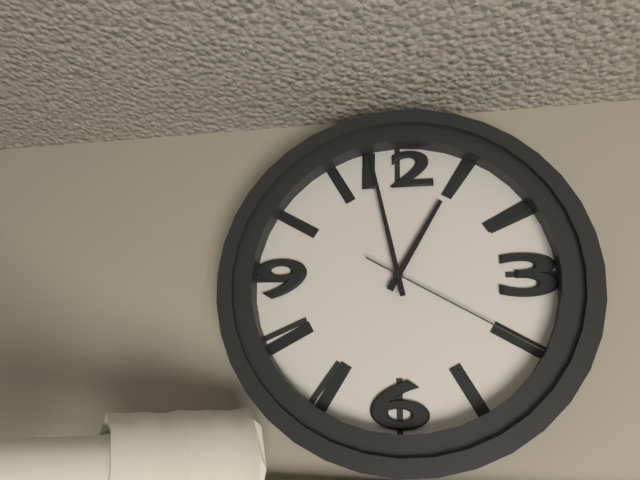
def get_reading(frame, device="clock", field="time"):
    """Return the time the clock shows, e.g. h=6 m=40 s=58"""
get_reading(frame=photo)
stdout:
h=12 m=58 s=20
